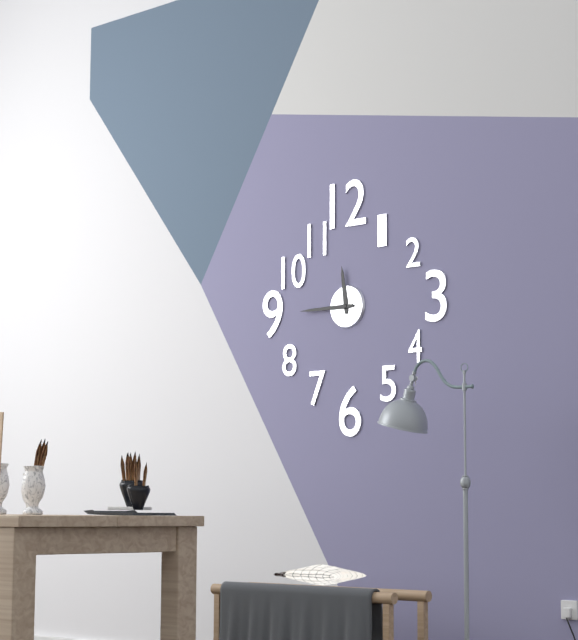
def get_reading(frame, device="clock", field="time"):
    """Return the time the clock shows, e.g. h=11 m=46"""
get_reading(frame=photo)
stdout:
h=11 m=45
